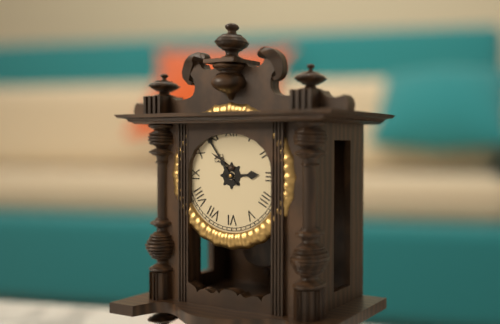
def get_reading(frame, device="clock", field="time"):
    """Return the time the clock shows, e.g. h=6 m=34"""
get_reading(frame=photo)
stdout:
h=2 m=54
